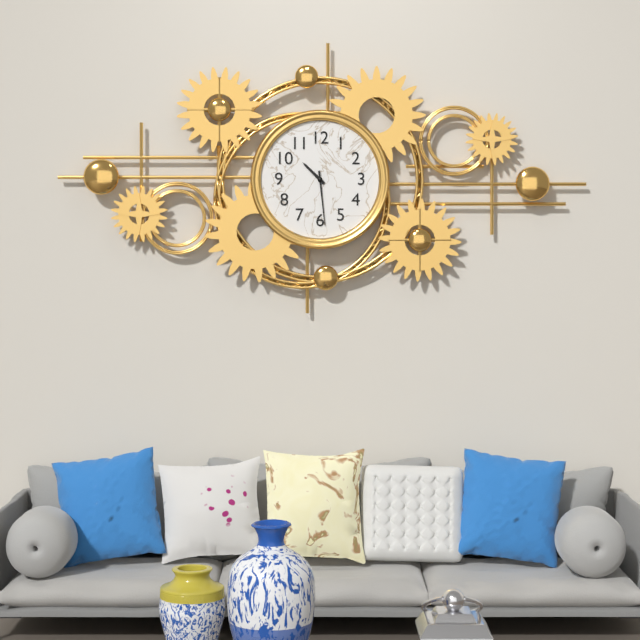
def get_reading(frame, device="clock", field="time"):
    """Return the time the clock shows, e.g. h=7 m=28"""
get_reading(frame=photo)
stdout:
h=10 m=29
